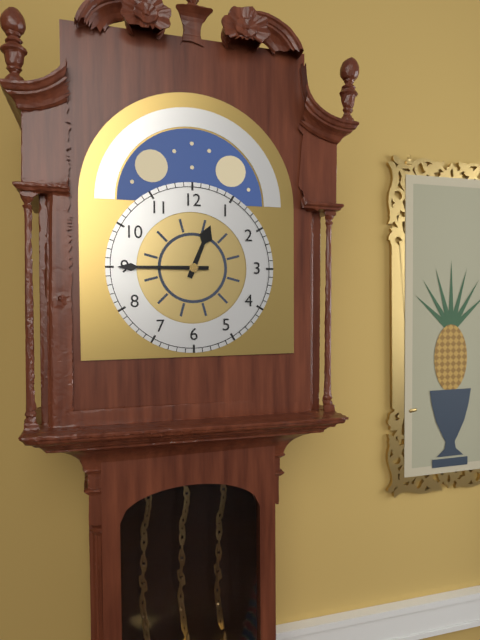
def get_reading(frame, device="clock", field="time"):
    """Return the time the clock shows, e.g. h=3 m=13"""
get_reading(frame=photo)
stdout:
h=12 m=45
